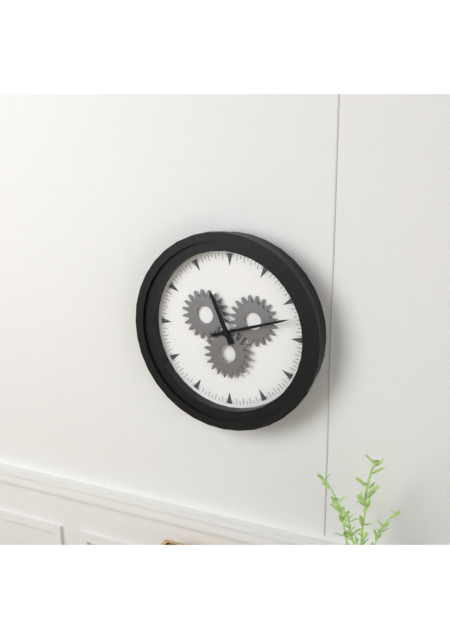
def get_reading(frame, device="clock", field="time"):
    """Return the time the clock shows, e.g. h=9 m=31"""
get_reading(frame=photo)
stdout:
h=11 m=12
